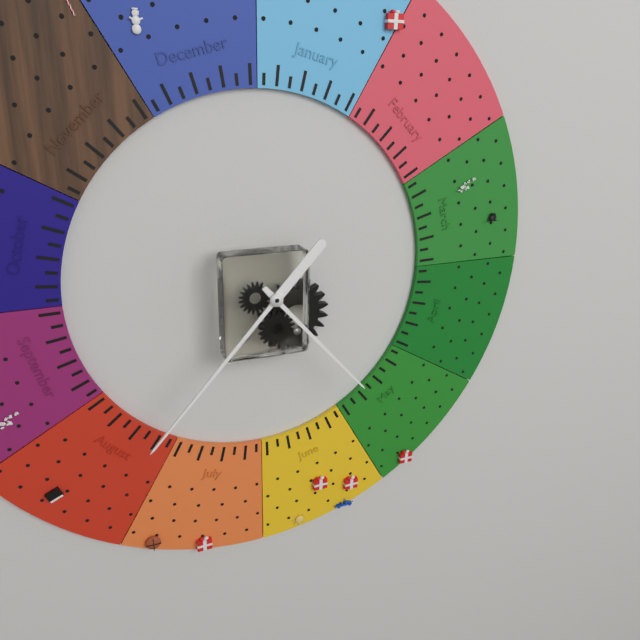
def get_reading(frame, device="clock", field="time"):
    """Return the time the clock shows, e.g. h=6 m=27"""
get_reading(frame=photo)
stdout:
h=4 m=37
